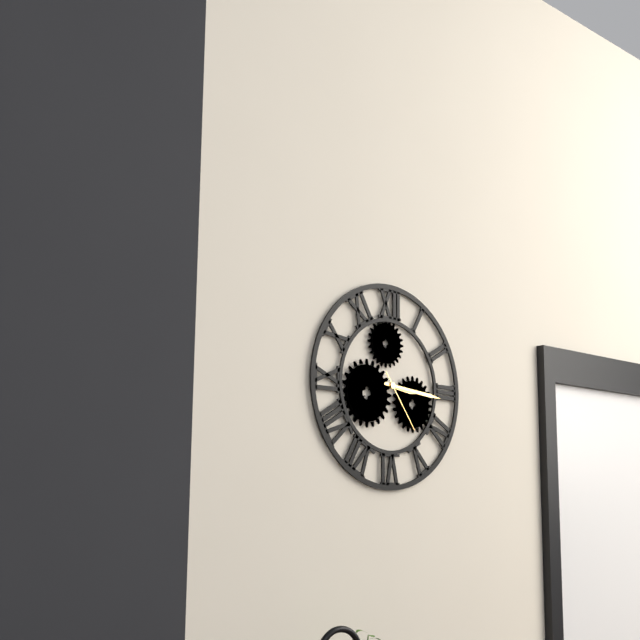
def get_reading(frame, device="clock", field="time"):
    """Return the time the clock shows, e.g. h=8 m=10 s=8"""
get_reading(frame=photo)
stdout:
h=3 m=16 s=24
